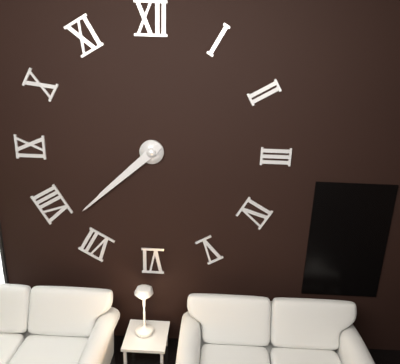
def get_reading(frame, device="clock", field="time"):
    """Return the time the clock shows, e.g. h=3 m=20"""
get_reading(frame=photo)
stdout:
h=7 m=38
